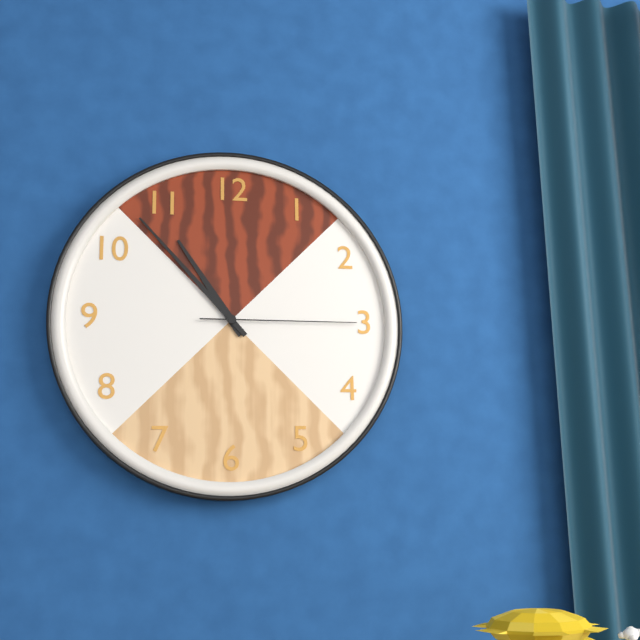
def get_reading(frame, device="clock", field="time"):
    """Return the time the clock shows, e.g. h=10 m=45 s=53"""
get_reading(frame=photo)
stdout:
h=10 m=53 s=15
